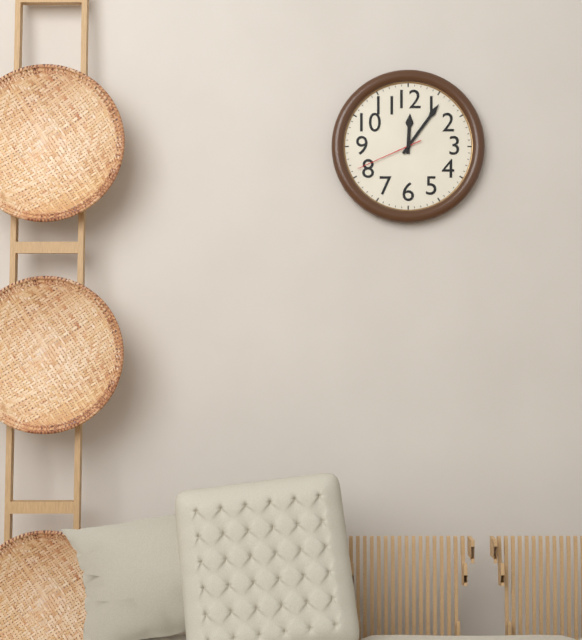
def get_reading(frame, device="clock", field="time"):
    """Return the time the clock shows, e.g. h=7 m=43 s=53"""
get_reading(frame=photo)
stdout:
h=12 m=6 s=41
